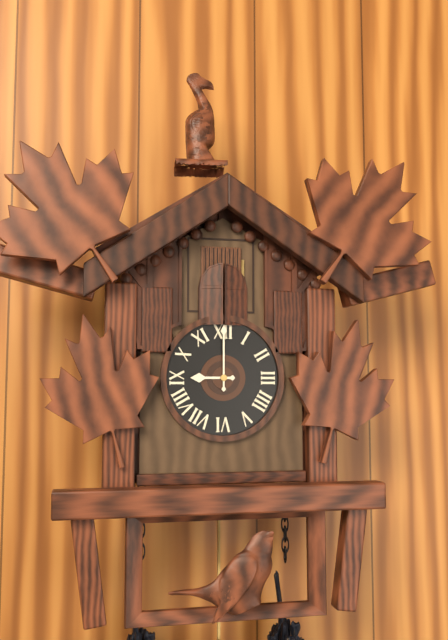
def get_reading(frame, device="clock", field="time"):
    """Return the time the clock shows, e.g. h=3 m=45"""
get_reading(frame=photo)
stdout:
h=9 m=0
